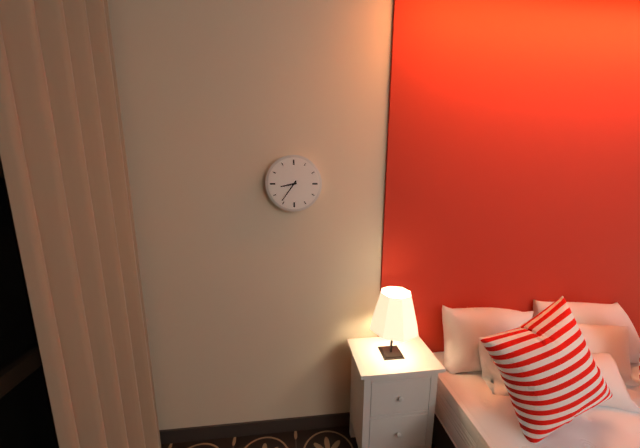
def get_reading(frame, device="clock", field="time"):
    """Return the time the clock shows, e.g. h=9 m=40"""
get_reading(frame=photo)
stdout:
h=8 m=36
